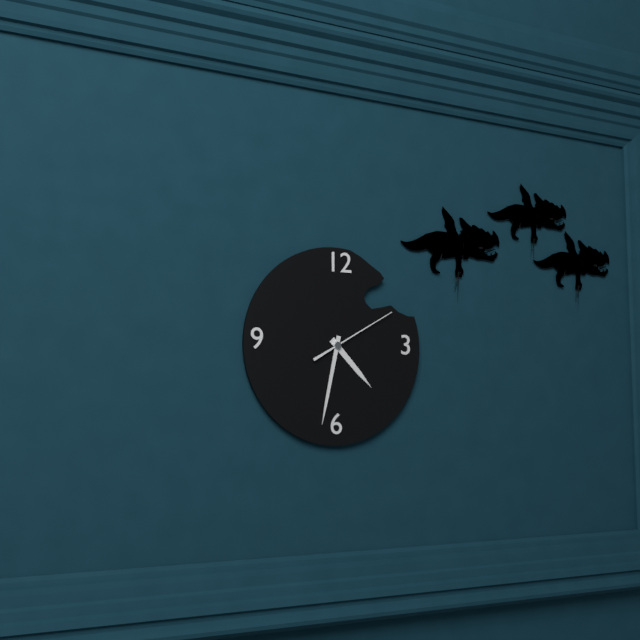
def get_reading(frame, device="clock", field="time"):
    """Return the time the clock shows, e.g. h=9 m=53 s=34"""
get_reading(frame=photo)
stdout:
h=4 m=32 s=10
